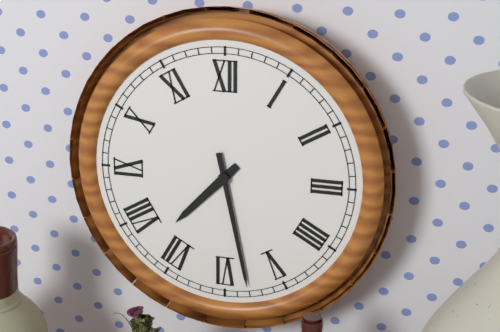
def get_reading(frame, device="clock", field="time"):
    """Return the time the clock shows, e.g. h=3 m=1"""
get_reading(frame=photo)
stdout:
h=7 m=28
